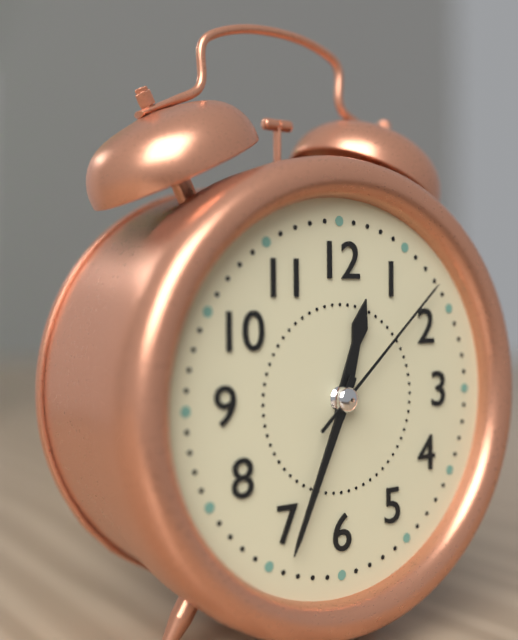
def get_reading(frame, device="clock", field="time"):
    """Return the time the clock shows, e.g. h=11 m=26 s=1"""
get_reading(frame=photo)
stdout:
h=12 m=34 s=8
